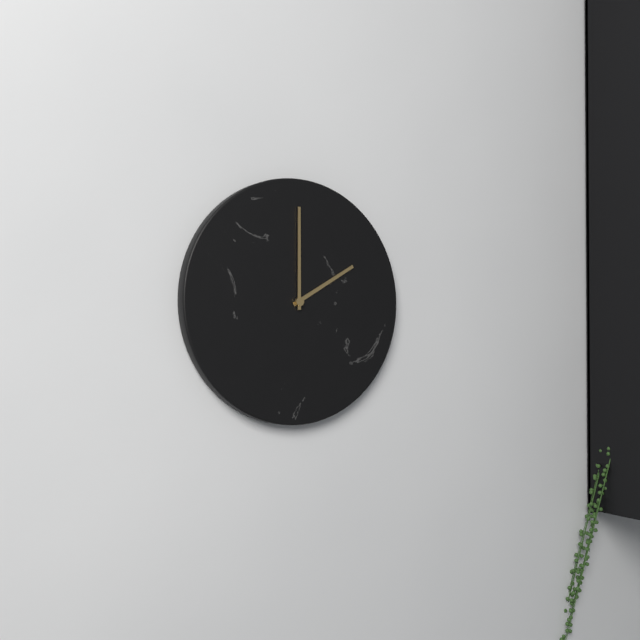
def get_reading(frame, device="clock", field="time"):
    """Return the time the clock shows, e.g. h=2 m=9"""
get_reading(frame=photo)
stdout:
h=2 m=0
